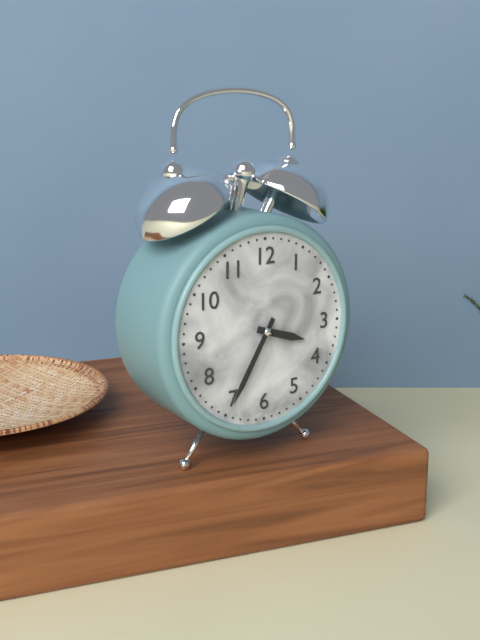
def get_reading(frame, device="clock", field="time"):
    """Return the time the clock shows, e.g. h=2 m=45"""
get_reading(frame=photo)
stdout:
h=3 m=35
